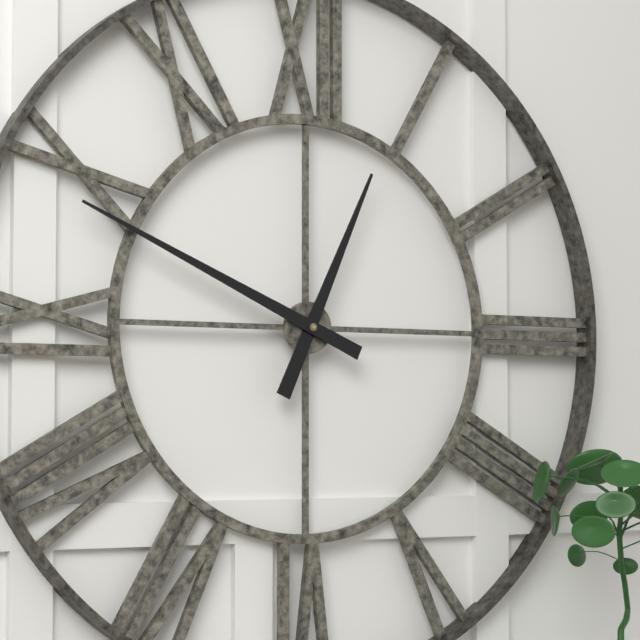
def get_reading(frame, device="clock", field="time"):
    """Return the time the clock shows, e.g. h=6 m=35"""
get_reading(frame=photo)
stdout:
h=12 m=49
